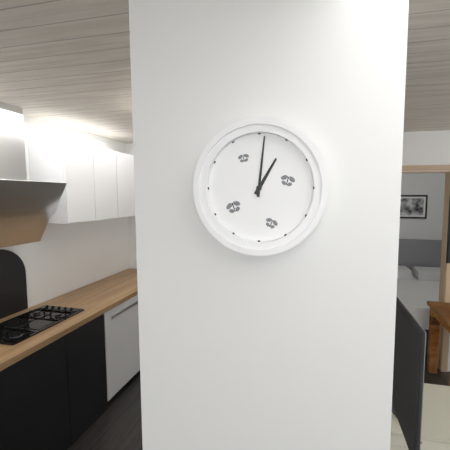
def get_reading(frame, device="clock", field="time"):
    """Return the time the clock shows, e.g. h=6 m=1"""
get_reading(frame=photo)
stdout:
h=1 m=1
